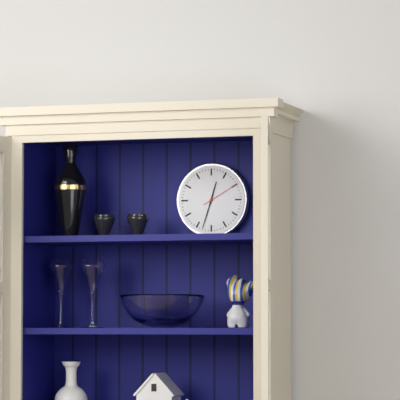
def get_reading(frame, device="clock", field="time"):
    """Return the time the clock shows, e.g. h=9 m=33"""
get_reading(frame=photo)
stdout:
h=12 m=33
